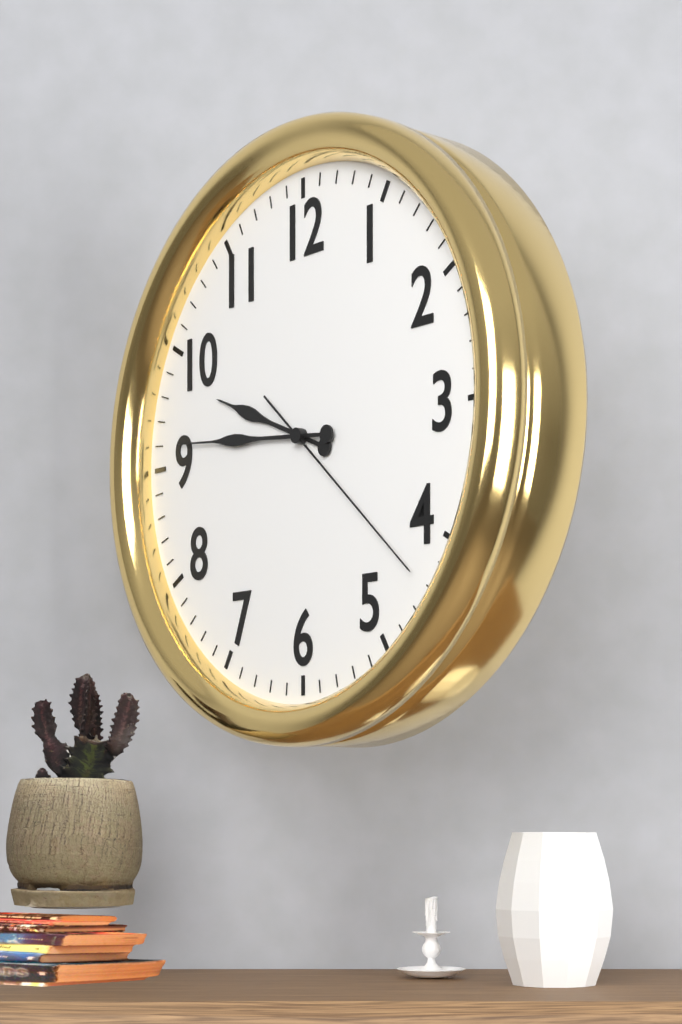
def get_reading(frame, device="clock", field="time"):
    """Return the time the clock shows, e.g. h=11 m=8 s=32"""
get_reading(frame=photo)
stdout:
h=9 m=46 s=22
